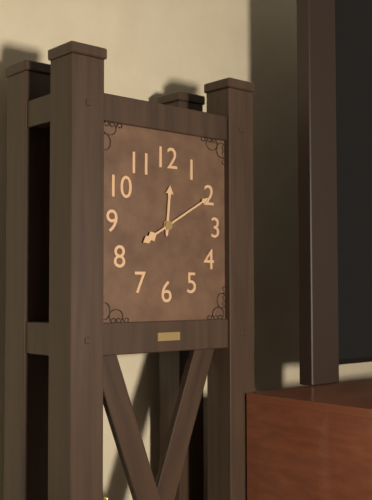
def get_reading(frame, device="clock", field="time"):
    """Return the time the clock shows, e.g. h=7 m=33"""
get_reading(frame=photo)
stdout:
h=12 m=10
